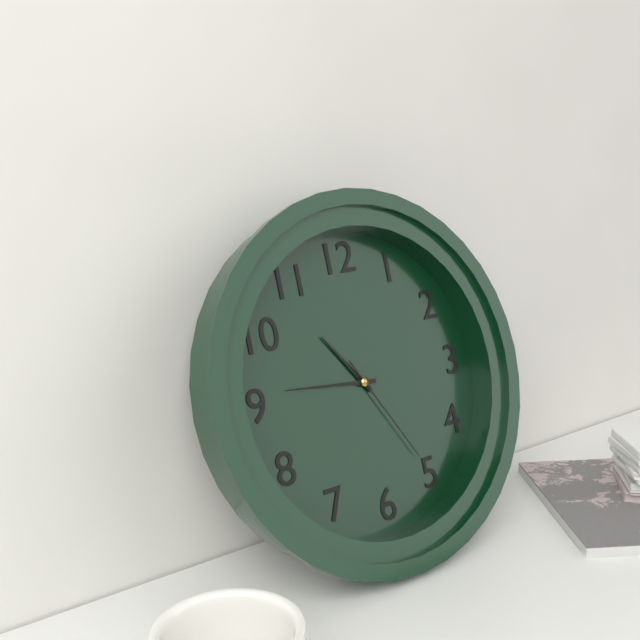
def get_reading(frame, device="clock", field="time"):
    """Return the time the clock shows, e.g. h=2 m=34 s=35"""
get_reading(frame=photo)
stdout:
h=10 m=46 s=25
